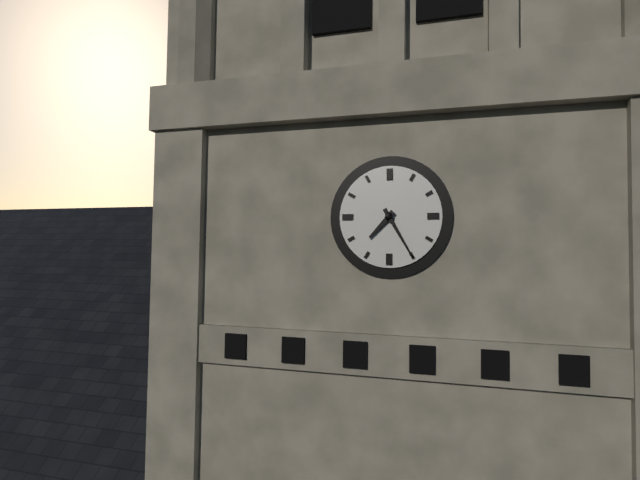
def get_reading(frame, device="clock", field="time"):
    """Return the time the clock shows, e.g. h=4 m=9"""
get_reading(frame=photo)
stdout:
h=7 m=25
